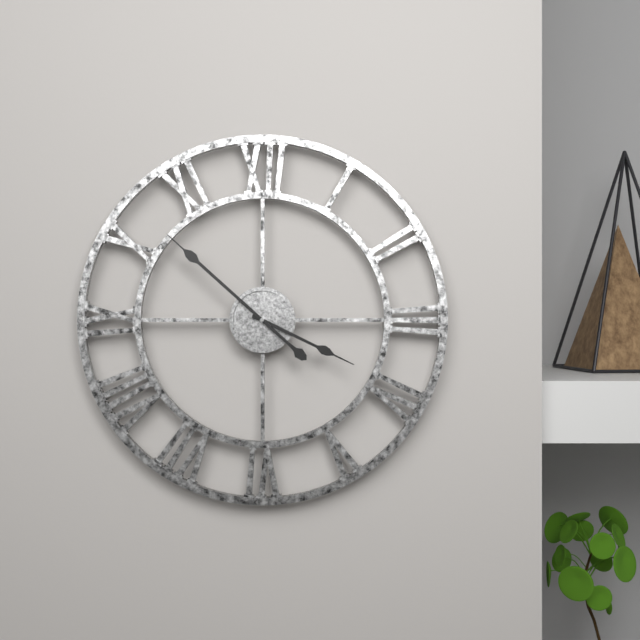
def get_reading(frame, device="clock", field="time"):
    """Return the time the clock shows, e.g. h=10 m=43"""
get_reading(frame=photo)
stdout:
h=3 m=52
